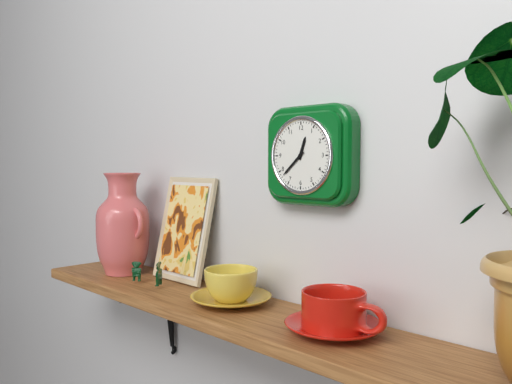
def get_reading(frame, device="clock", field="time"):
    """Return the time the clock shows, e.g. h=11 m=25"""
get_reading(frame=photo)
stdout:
h=12 m=38
